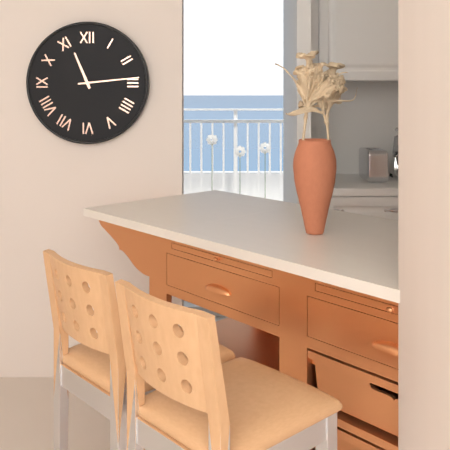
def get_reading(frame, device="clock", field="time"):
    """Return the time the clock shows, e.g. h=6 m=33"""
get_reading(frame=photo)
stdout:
h=11 m=14
